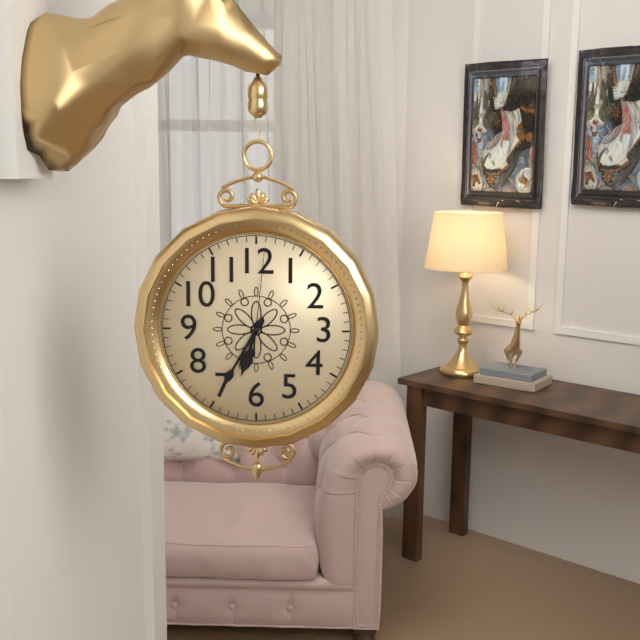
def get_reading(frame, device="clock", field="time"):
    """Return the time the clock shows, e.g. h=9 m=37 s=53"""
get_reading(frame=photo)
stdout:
h=6 m=35 s=1
